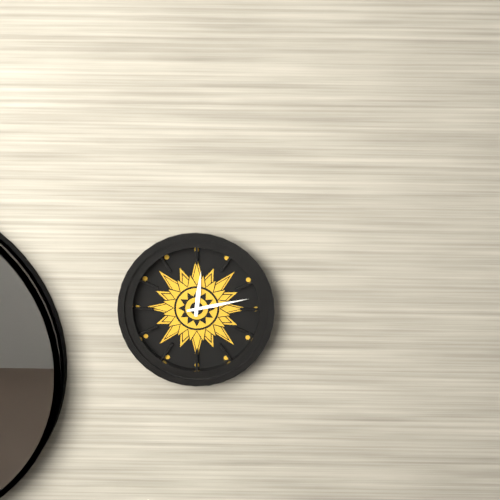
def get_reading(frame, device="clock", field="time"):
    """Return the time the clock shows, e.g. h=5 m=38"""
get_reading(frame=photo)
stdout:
h=12 m=13
